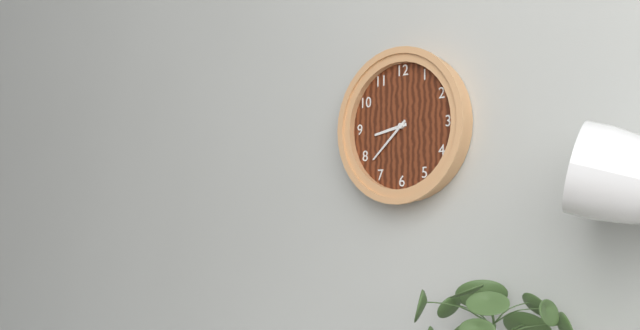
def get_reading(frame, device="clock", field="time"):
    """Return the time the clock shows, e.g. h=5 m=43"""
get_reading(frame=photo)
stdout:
h=8 m=38
